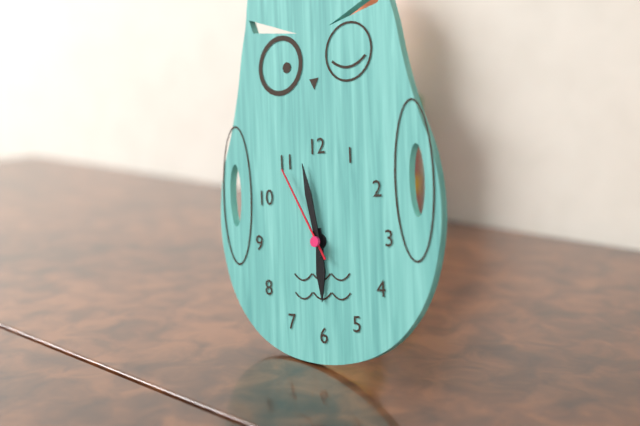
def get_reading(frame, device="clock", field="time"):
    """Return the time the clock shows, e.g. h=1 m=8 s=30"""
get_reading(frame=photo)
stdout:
h=5 m=58 s=55
